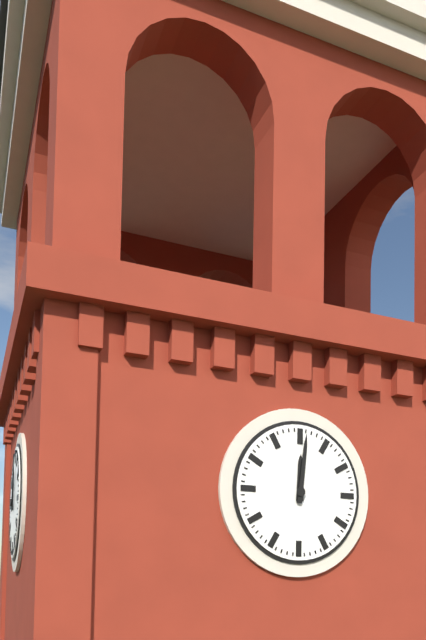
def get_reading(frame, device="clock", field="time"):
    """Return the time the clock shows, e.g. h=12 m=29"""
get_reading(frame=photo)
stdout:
h=12 m=1
